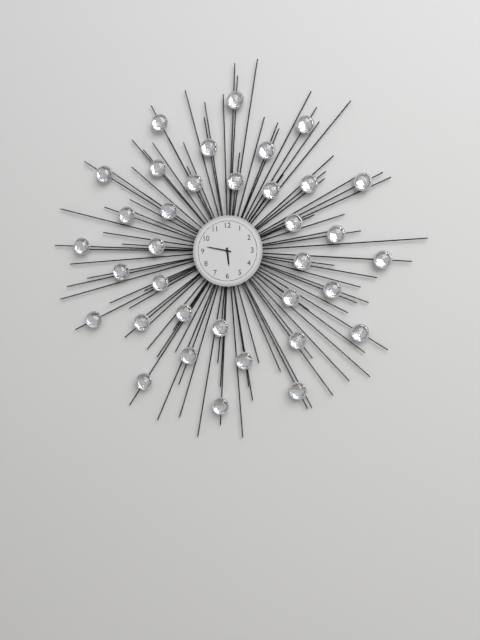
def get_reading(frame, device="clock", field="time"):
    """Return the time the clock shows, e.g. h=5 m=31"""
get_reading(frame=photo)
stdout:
h=5 m=47
